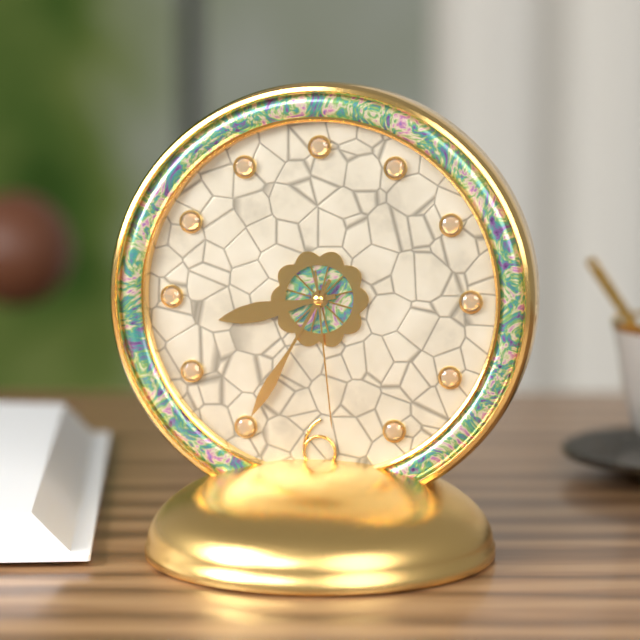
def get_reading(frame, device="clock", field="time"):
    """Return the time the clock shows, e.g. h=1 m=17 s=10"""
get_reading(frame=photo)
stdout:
h=8 m=35 s=29
